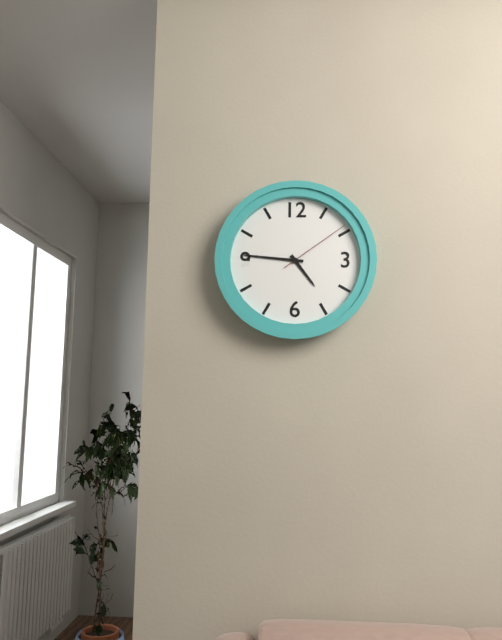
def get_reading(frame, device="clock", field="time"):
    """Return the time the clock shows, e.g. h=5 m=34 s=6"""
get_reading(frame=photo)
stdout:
h=4 m=46 s=9
